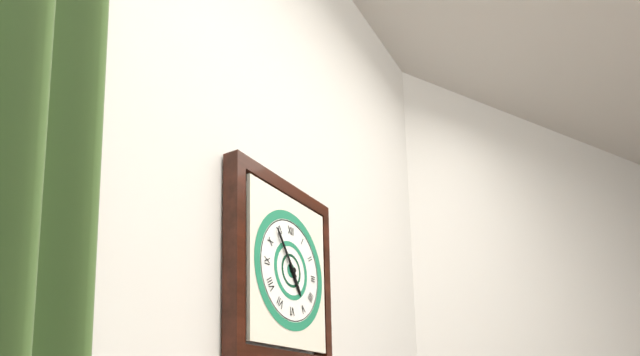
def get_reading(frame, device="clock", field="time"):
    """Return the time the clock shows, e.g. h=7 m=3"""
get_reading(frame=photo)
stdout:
h=4 m=54
